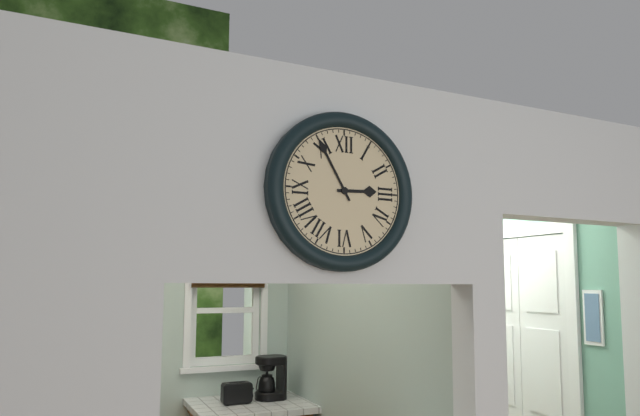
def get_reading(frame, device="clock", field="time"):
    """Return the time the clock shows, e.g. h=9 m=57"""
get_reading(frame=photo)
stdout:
h=2 m=55
